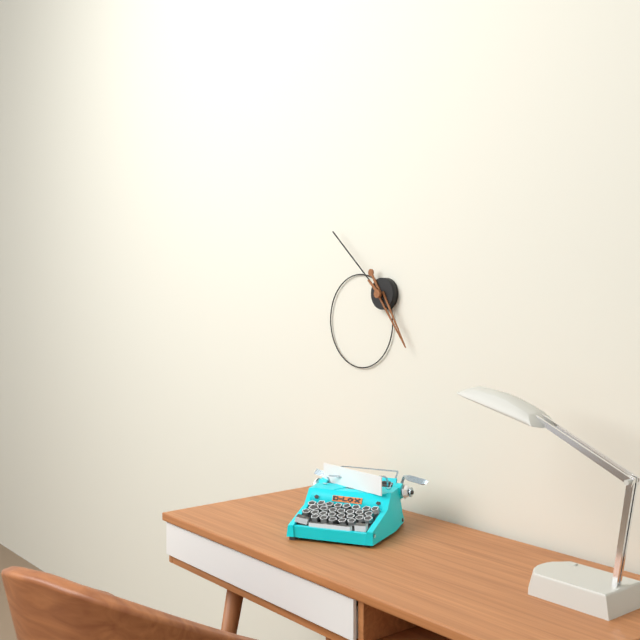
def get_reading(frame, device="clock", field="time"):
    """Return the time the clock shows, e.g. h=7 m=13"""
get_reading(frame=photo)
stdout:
h=4 m=52
